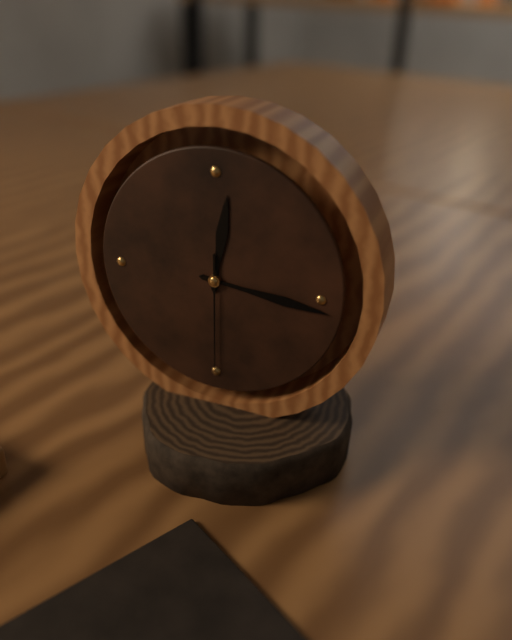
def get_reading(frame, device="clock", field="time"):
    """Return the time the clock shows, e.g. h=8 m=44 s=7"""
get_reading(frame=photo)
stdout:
h=12 m=16 s=30
